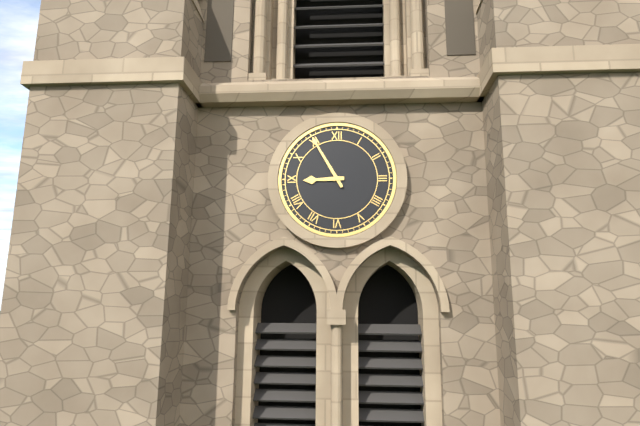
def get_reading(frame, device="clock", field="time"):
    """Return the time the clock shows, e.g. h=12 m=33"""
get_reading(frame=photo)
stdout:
h=8 m=55
